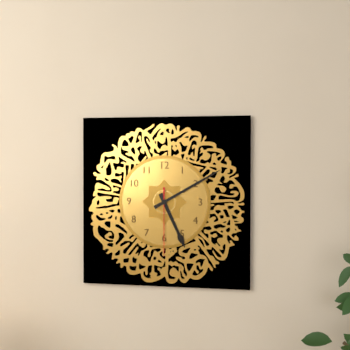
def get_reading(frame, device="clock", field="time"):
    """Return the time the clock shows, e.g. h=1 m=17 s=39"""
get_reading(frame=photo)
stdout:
h=5 m=10 s=30
